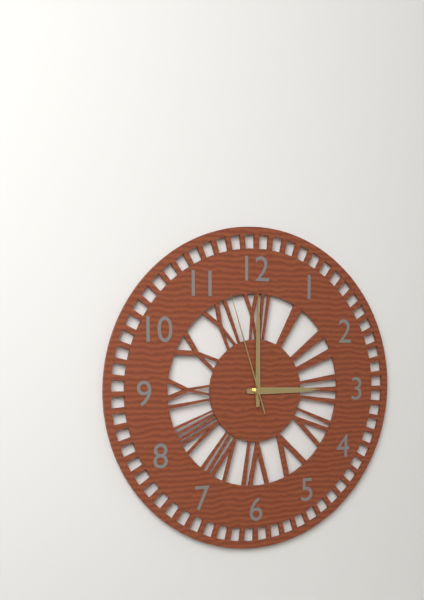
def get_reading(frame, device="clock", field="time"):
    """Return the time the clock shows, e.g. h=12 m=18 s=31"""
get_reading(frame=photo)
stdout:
h=3 m=0 s=57
